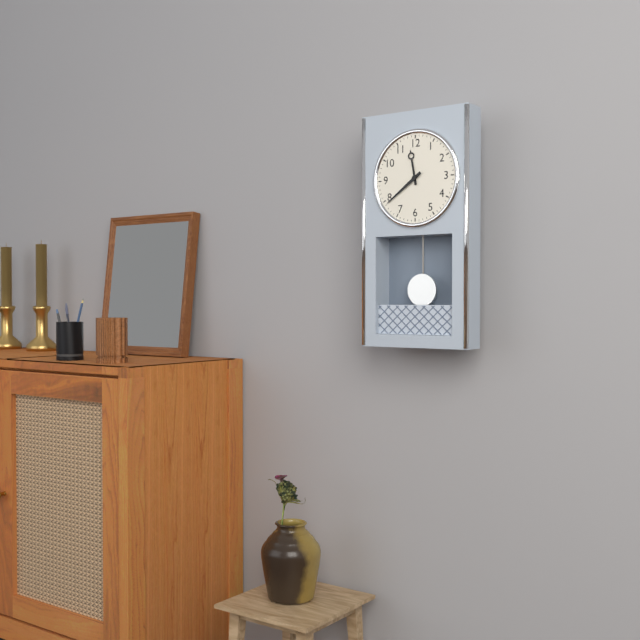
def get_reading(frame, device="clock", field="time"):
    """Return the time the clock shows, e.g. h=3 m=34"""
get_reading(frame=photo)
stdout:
h=11 m=39
